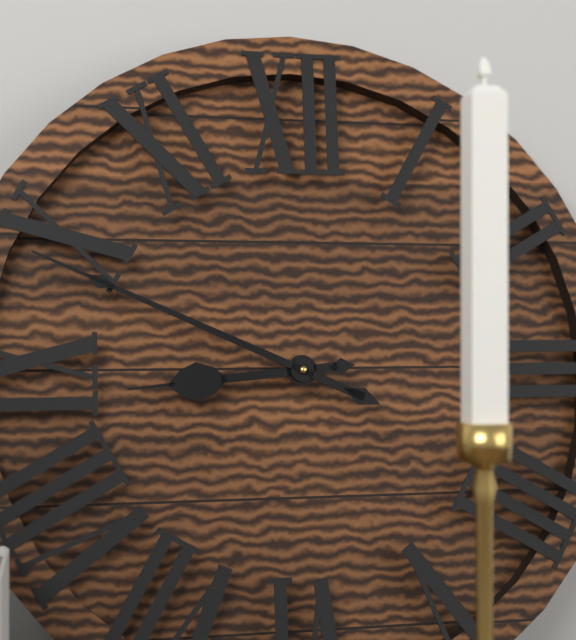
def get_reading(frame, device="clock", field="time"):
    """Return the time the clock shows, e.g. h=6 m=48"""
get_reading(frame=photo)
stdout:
h=8 m=49
